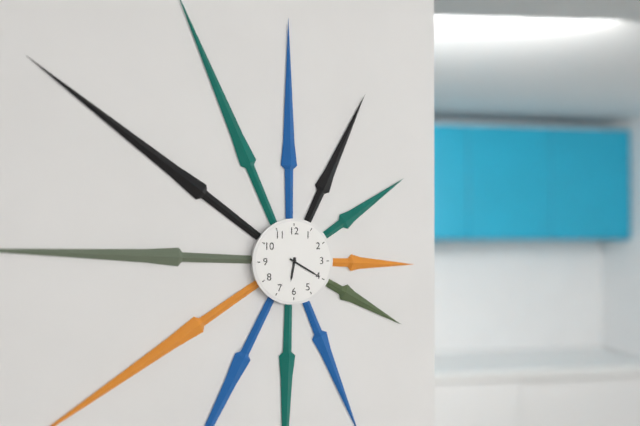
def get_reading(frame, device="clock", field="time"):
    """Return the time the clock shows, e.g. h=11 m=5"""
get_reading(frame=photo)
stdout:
h=6 m=20
